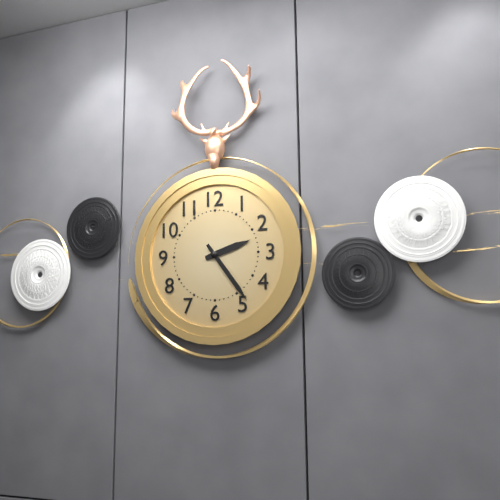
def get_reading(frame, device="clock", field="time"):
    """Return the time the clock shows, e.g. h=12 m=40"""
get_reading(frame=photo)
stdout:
h=2 m=24
